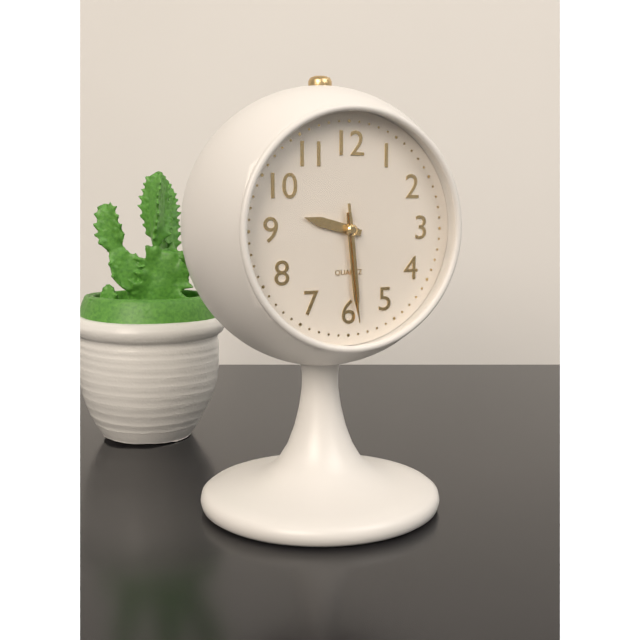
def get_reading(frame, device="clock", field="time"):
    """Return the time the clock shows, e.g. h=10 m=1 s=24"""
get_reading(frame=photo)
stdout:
h=9 m=29 s=29
